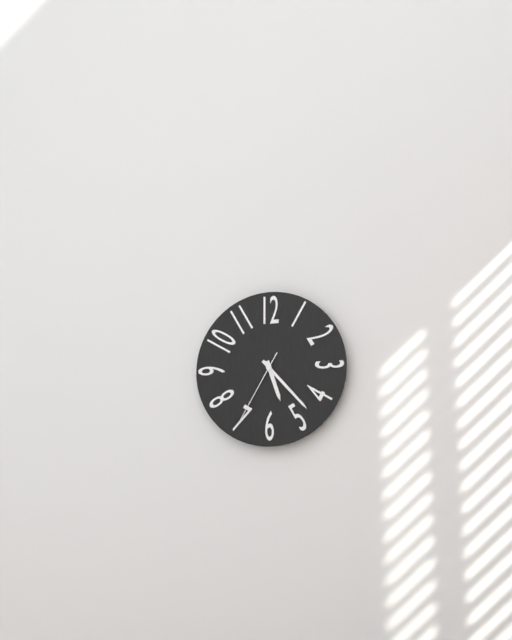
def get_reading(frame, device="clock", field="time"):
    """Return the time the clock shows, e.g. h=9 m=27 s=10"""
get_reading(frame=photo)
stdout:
h=5 m=23 s=35
